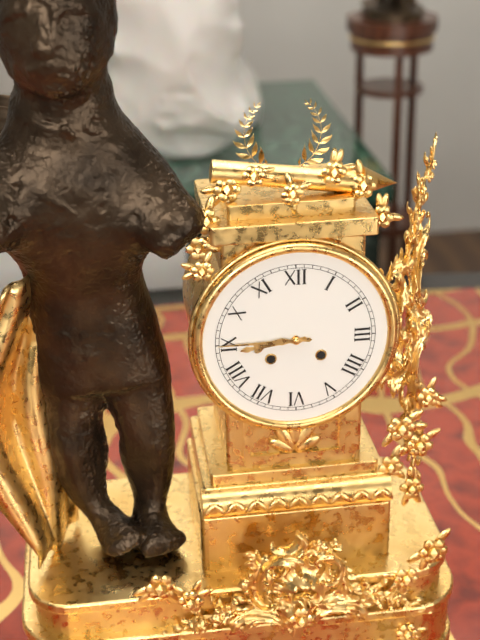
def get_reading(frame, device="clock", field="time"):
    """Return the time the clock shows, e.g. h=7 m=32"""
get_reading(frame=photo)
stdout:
h=8 m=45
